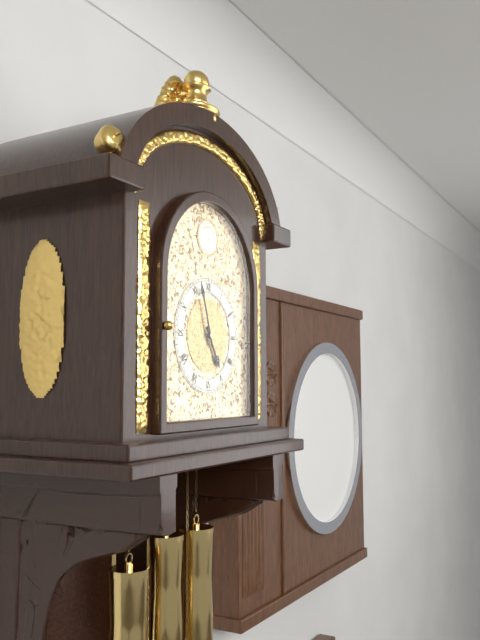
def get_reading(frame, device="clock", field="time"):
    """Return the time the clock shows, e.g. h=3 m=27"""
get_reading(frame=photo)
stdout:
h=4 m=57
